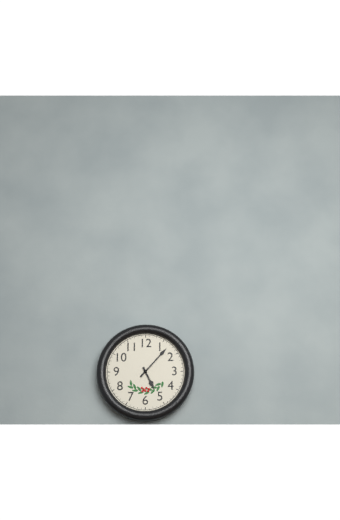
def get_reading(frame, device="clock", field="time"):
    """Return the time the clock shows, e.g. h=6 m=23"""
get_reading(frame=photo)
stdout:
h=5 m=7
